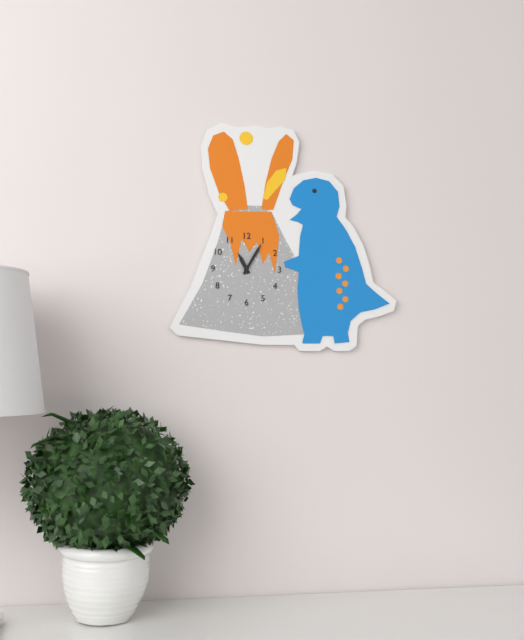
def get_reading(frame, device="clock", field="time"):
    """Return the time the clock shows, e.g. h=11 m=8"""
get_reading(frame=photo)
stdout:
h=11 m=5
